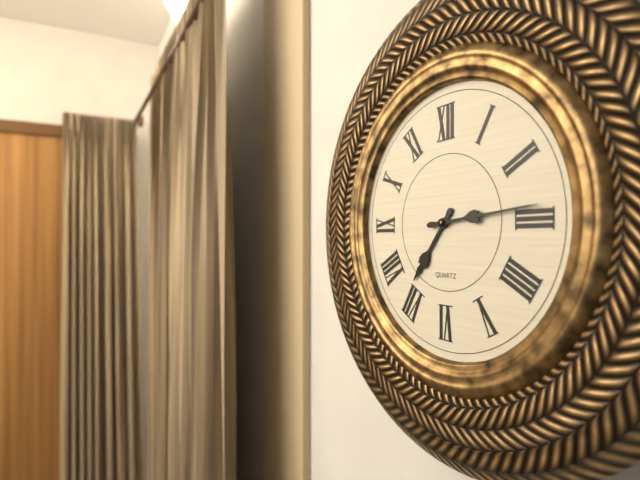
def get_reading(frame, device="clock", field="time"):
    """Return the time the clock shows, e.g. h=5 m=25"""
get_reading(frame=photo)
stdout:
h=7 m=14
